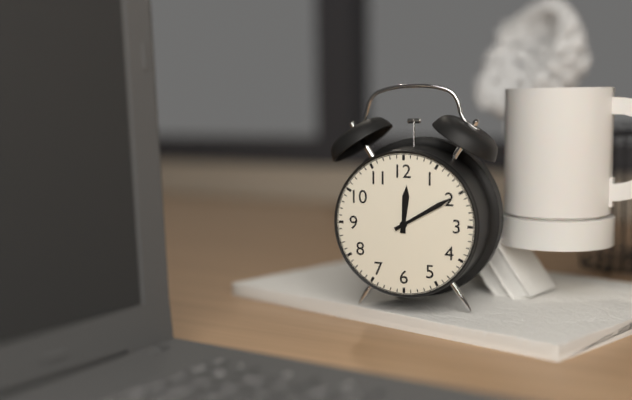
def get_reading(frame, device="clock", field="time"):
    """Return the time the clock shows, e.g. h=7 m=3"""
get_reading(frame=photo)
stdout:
h=12 m=10
